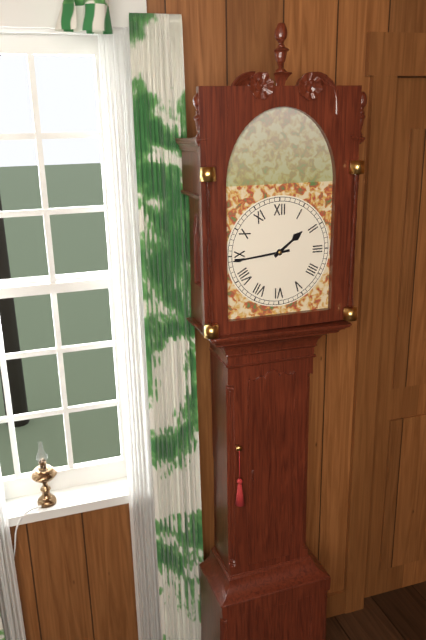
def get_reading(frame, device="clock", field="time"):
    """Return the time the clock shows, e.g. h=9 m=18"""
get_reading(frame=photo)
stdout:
h=1 m=44
